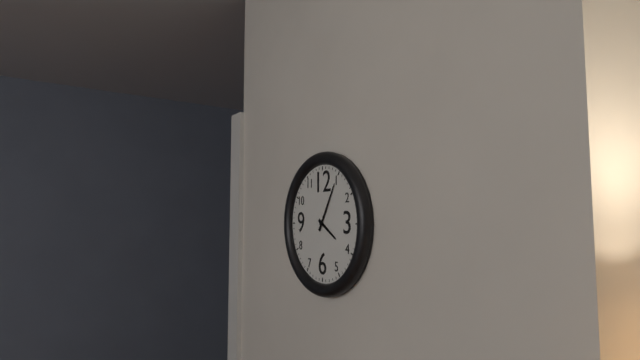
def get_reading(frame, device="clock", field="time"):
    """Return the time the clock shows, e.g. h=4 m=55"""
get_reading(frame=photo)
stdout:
h=4 m=5
